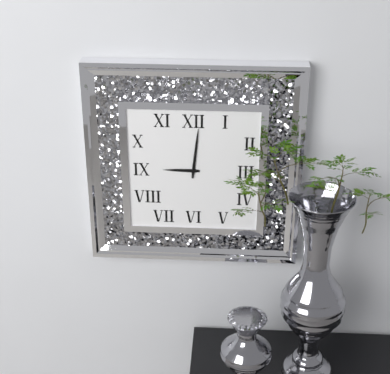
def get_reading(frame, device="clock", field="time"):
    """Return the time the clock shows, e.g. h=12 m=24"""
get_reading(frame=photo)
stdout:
h=9 m=1
